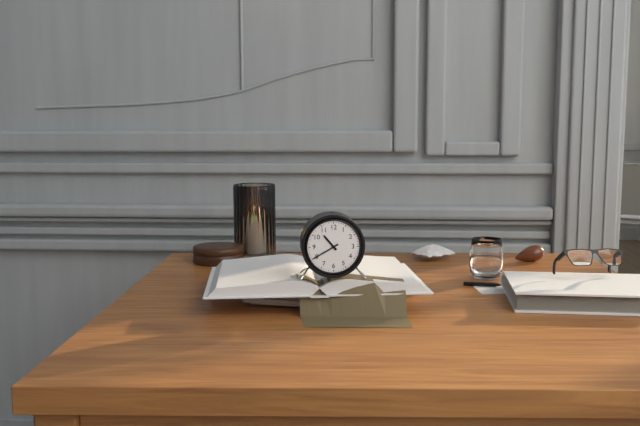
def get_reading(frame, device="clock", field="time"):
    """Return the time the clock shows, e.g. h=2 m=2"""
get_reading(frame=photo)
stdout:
h=10 m=40
